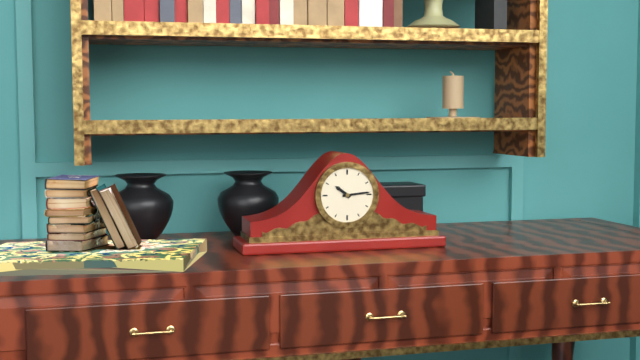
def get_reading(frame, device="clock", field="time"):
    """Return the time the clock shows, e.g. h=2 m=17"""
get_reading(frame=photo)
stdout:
h=10 m=14
